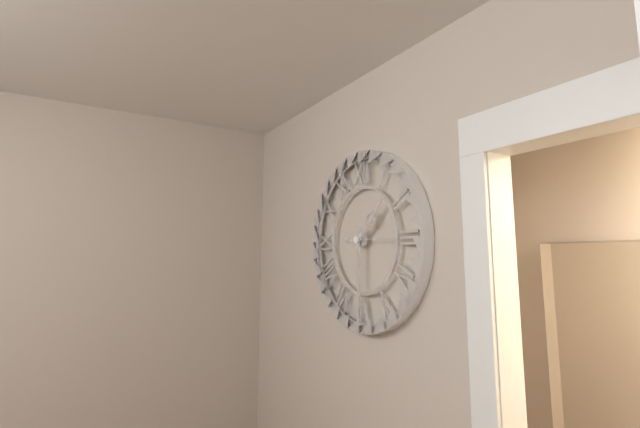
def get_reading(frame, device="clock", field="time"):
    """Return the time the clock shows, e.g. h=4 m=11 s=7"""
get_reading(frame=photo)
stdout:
h=1 m=30 s=15
